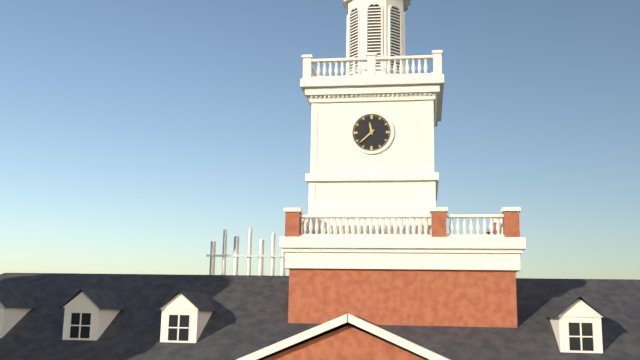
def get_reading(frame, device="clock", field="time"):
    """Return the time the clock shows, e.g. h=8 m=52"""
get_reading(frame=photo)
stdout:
h=11 m=38
